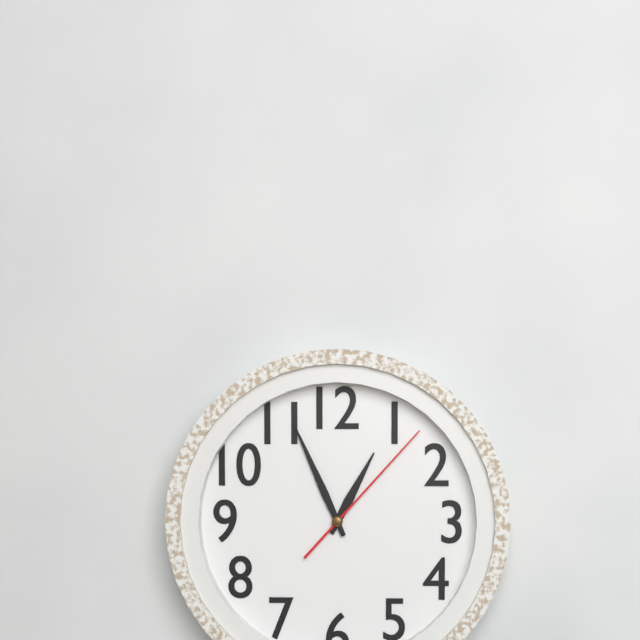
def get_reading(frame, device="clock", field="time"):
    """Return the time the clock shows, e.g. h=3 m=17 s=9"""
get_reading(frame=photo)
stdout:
h=12 m=56 s=7
